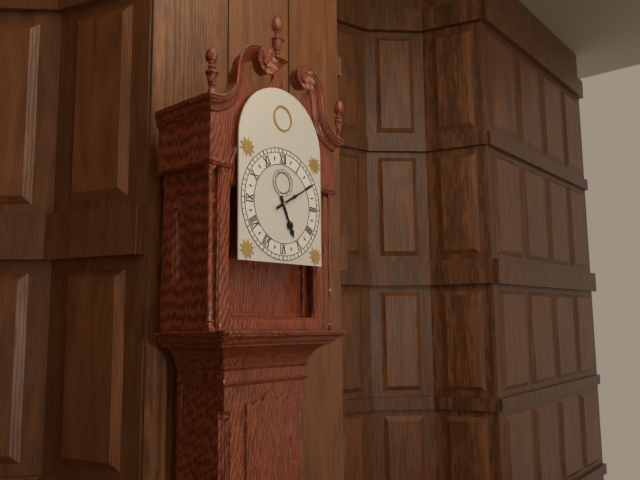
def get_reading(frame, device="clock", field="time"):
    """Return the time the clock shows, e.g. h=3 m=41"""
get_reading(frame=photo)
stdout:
h=5 m=10
